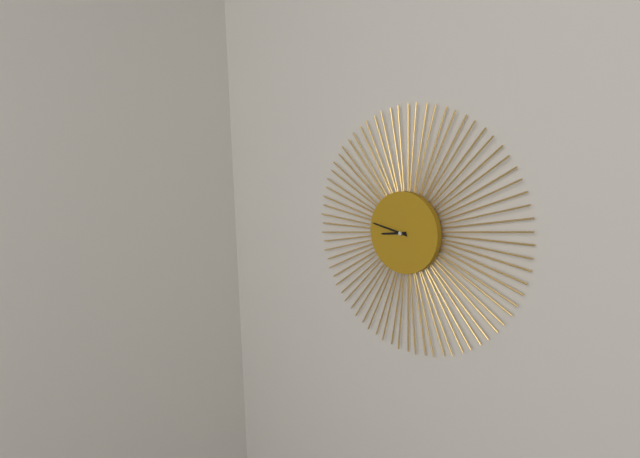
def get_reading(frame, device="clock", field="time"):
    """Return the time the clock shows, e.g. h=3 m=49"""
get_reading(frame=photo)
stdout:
h=8 m=47
